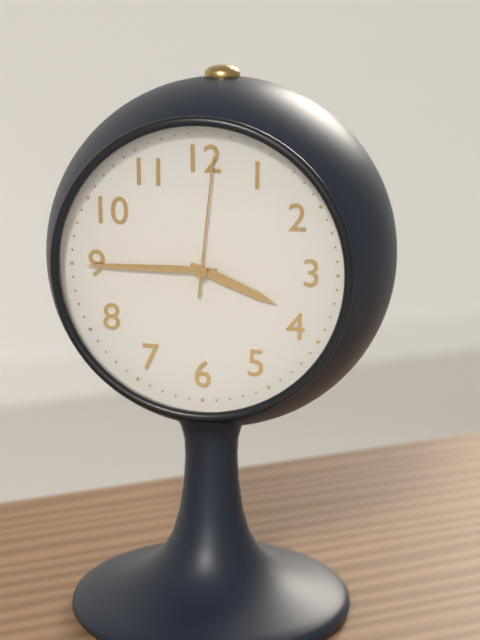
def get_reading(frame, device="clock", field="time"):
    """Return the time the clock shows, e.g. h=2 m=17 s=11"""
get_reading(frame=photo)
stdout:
h=3 m=45 s=1
